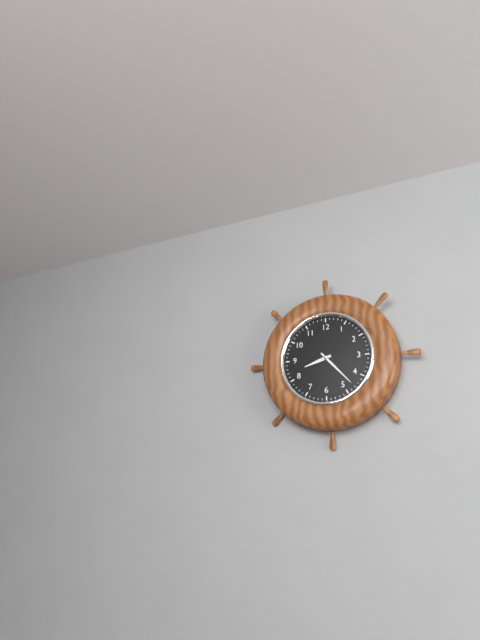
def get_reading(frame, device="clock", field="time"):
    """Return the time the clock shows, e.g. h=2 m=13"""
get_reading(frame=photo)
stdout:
h=8 m=23
